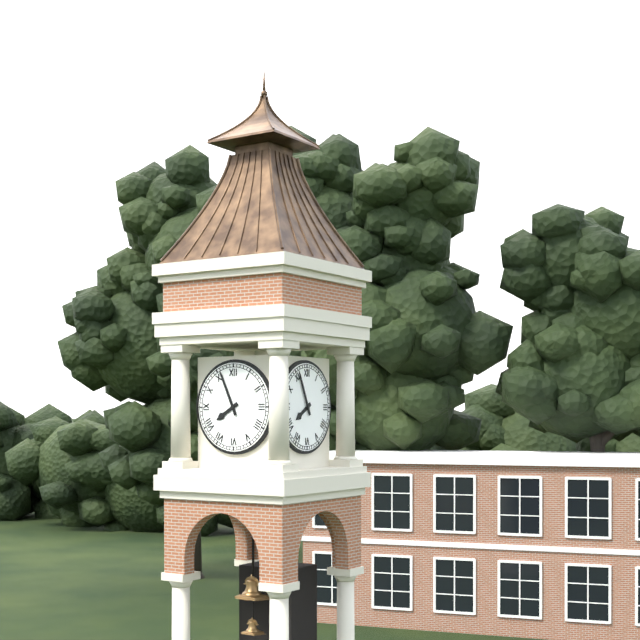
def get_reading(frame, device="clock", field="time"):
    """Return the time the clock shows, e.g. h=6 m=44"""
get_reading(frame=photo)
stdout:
h=7 m=56
